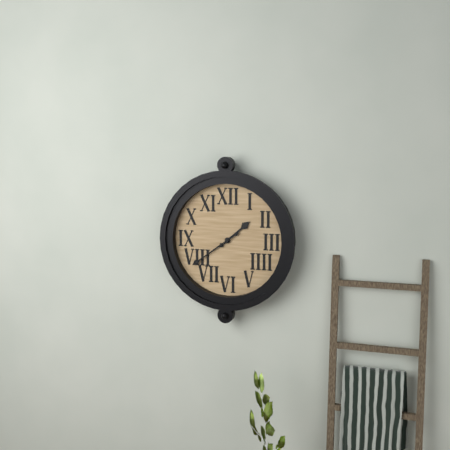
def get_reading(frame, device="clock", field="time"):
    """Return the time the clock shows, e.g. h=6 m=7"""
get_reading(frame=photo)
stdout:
h=1 m=39
